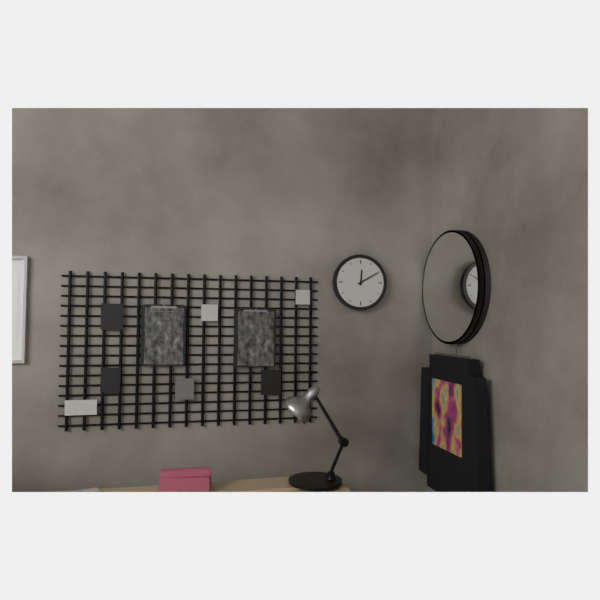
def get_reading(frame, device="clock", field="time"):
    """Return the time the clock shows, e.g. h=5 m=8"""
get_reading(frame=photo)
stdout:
h=12 m=10
